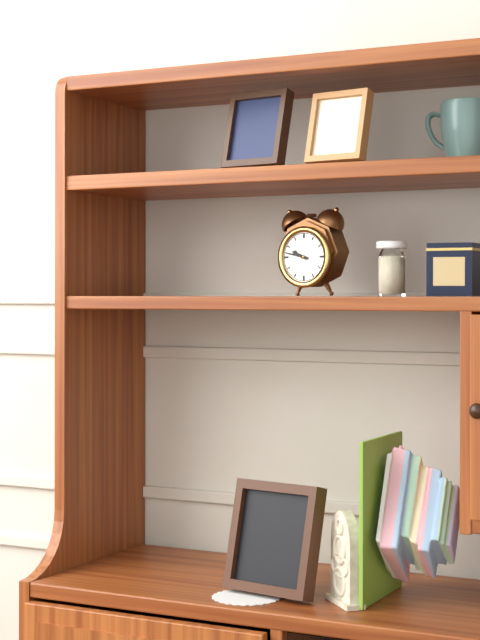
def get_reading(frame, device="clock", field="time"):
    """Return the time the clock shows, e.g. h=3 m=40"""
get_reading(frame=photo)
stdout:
h=9 m=47
